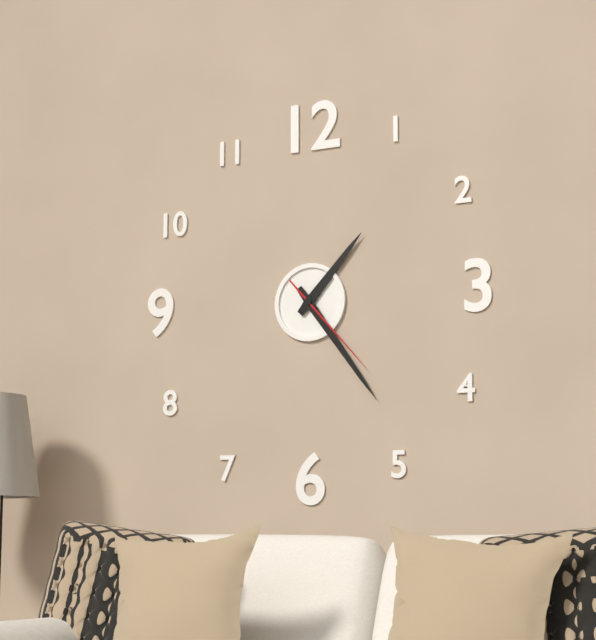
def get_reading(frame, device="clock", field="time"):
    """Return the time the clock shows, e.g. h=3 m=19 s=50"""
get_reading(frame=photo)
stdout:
h=1 m=24 s=23
